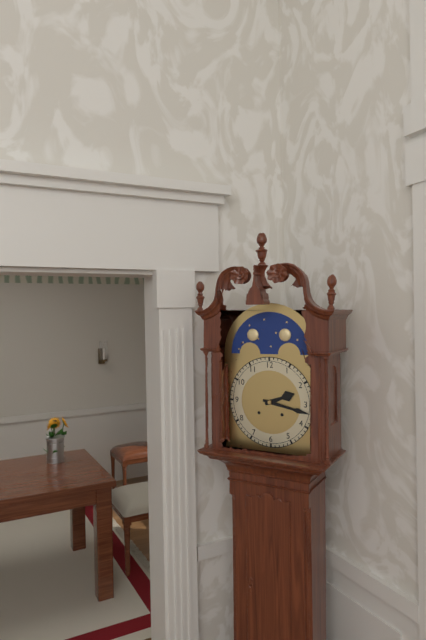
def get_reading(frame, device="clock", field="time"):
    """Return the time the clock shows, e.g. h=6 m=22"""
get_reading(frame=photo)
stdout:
h=2 m=17
